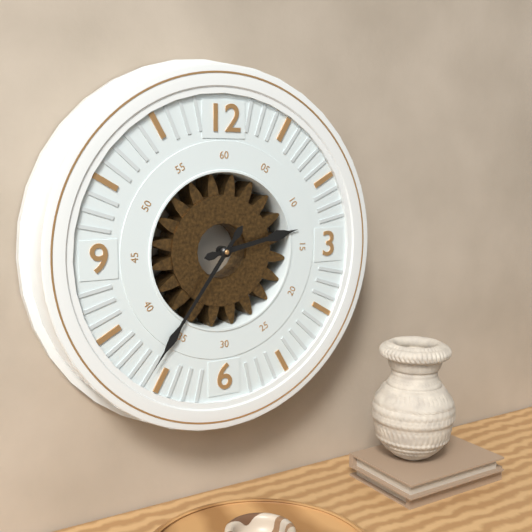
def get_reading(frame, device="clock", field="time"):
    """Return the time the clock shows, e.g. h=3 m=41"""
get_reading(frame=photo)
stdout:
h=2 m=36
